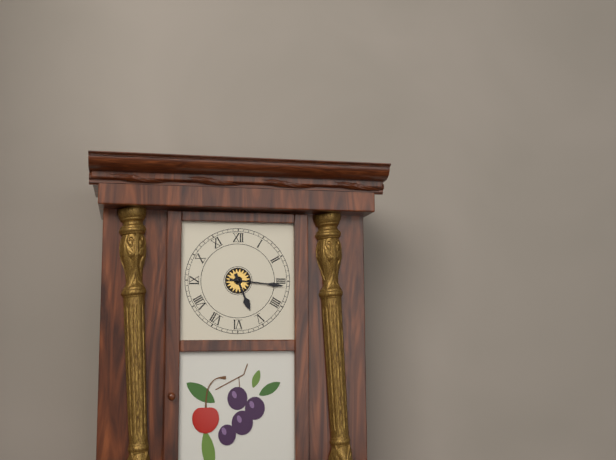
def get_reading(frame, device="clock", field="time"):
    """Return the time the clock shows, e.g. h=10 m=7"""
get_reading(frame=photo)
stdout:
h=5 m=16
